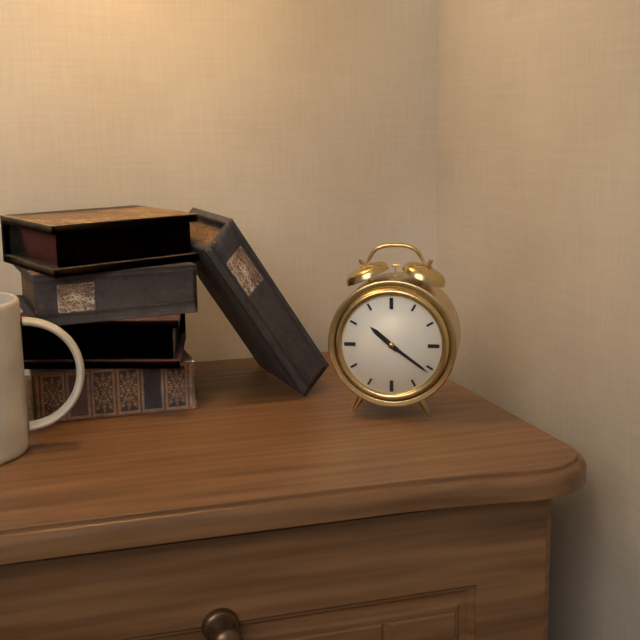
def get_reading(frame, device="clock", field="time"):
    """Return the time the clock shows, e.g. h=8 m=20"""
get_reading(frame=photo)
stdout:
h=10 m=21
